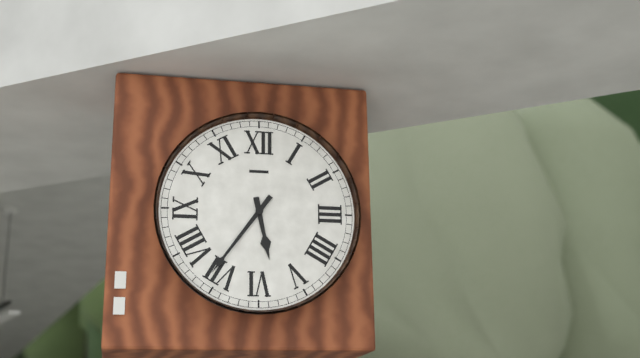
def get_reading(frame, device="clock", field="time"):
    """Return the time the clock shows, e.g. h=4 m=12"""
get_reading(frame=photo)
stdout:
h=5 m=36
